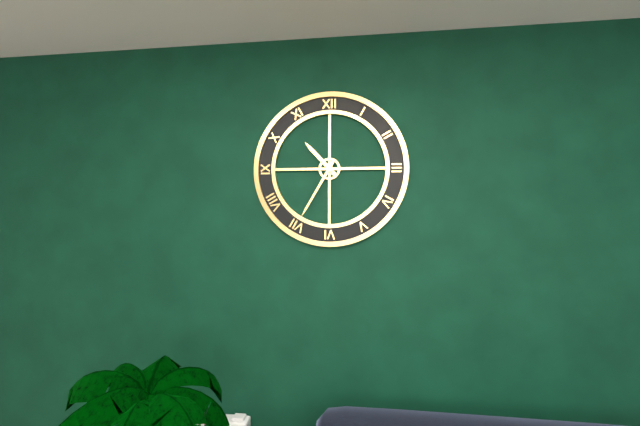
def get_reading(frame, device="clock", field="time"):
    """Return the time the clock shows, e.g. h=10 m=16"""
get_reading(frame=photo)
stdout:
h=10 m=35
